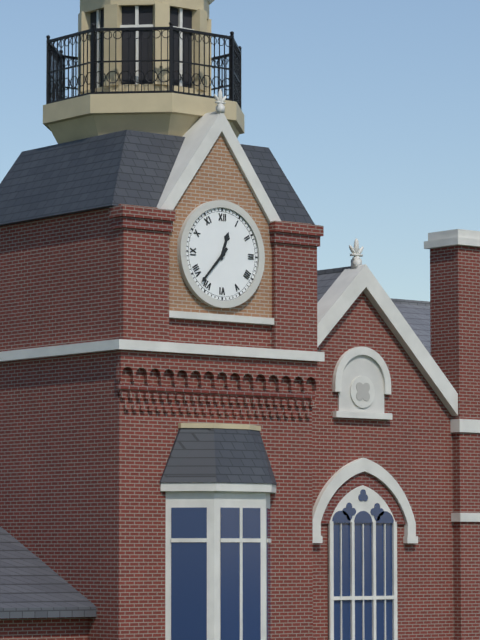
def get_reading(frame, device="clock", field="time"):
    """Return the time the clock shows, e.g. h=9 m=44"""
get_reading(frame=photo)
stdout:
h=12 m=37
